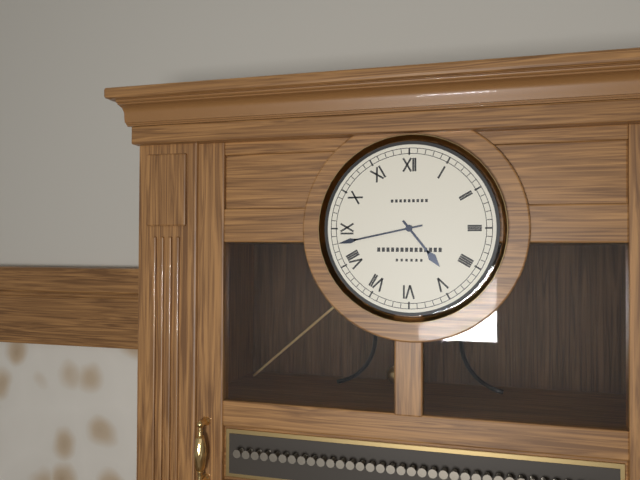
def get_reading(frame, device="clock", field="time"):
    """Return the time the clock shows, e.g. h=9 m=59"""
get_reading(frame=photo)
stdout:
h=4 m=43
